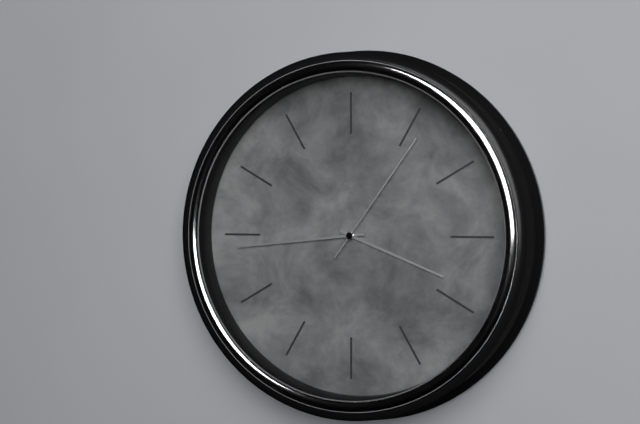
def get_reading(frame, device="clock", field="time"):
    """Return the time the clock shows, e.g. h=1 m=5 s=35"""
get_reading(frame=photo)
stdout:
h=3 m=44 s=6
